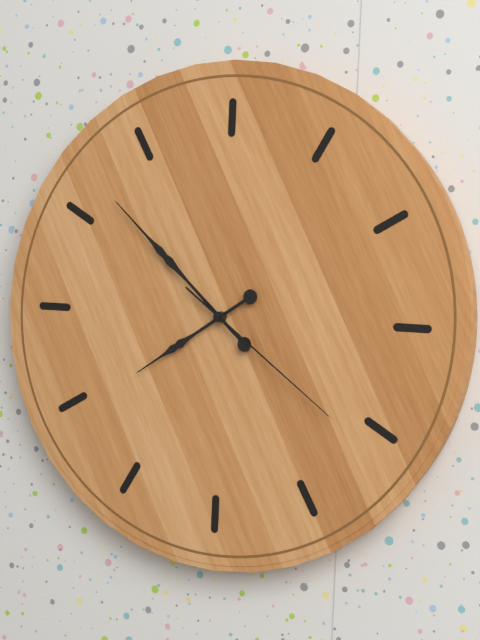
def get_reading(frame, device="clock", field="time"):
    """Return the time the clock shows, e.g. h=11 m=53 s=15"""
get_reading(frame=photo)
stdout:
h=7 m=52 s=21
